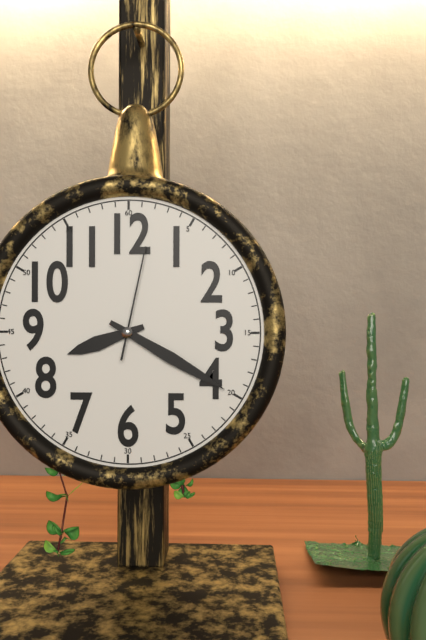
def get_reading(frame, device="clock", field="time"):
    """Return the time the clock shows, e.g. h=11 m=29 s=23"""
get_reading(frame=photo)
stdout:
h=8 m=20 s=2
